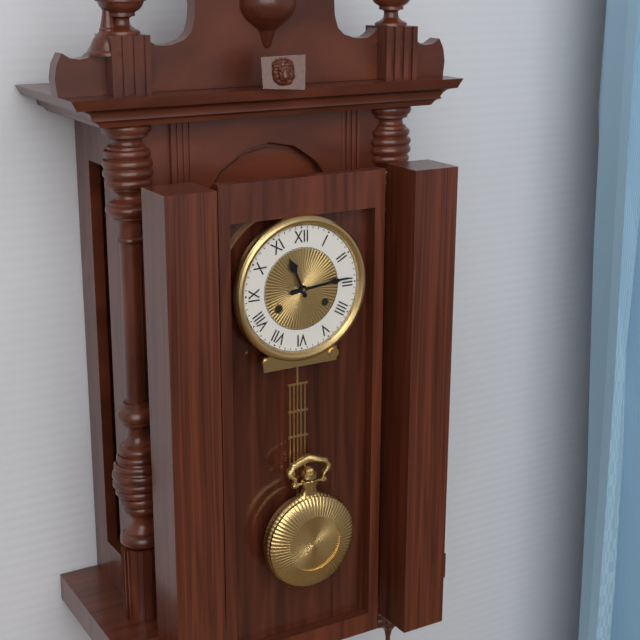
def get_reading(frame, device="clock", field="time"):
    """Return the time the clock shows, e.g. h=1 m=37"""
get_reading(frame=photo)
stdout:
h=11 m=14
